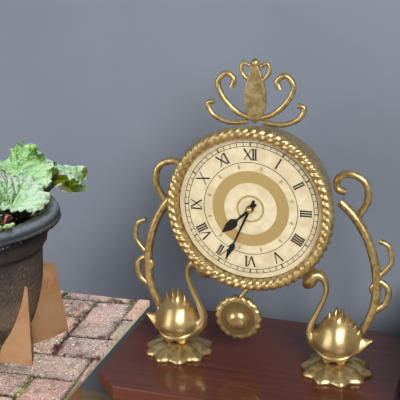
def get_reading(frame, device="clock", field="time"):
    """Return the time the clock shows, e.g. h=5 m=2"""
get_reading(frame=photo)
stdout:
h=7 m=34
